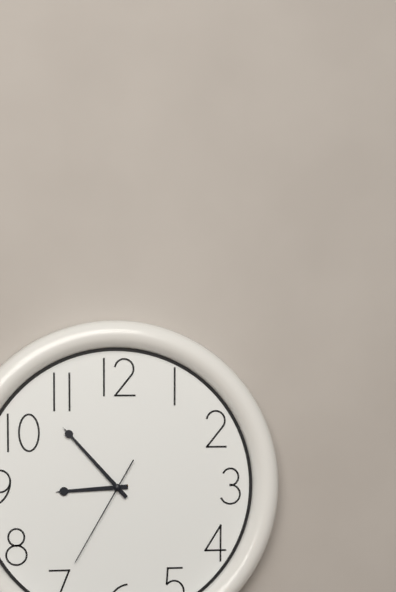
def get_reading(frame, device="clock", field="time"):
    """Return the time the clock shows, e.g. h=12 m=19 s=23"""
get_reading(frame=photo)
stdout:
h=8 m=53 s=35
